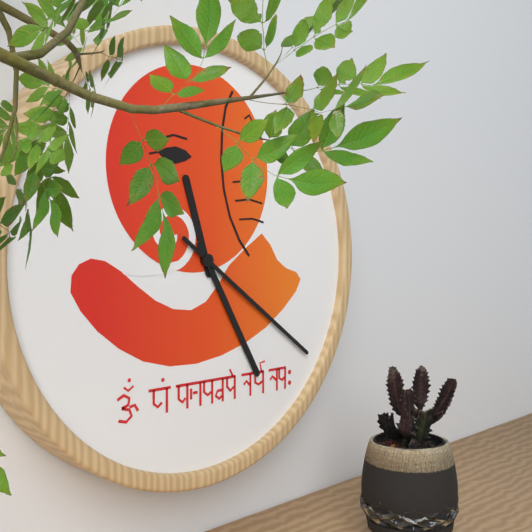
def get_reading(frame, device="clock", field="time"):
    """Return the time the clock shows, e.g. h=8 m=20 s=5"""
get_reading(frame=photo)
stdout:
h=11 m=25 s=21
